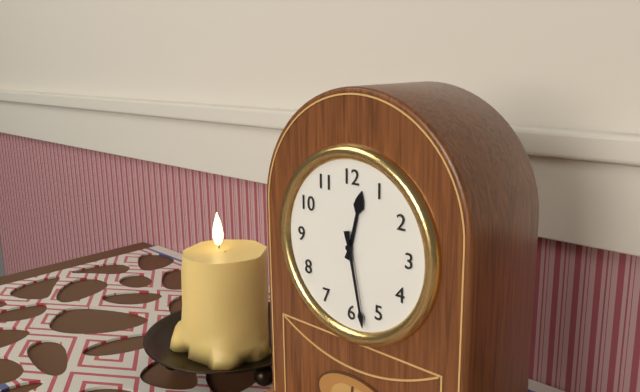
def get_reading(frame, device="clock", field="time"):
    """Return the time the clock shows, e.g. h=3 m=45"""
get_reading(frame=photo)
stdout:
h=12 m=28
